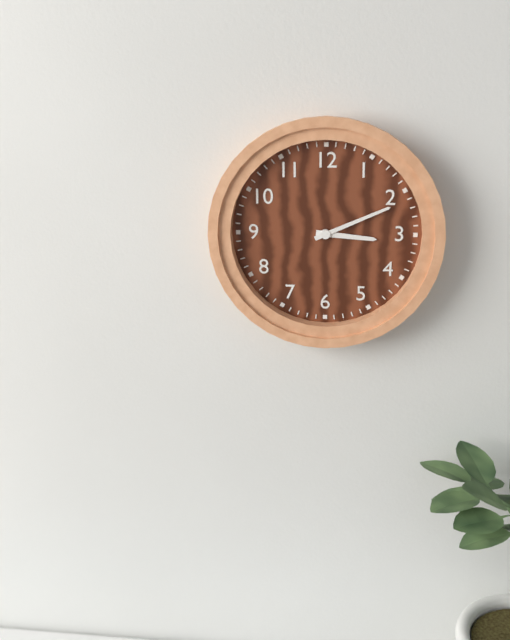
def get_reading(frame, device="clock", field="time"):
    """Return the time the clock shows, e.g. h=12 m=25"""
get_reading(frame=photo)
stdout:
h=3 m=11
